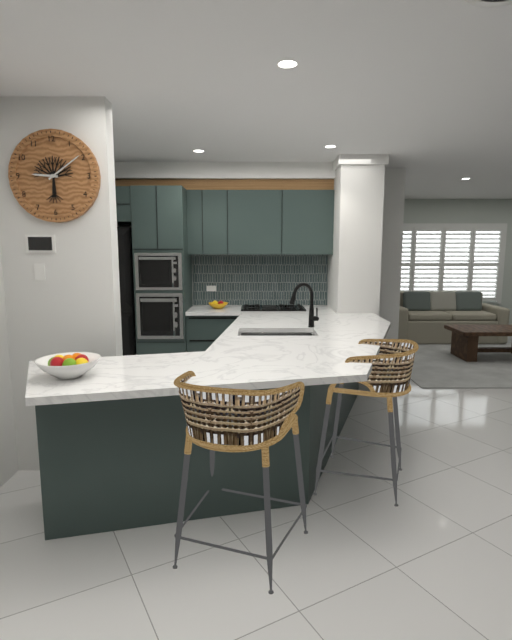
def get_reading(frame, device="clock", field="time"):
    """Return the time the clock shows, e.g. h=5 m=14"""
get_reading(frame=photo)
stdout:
h=9 m=9
